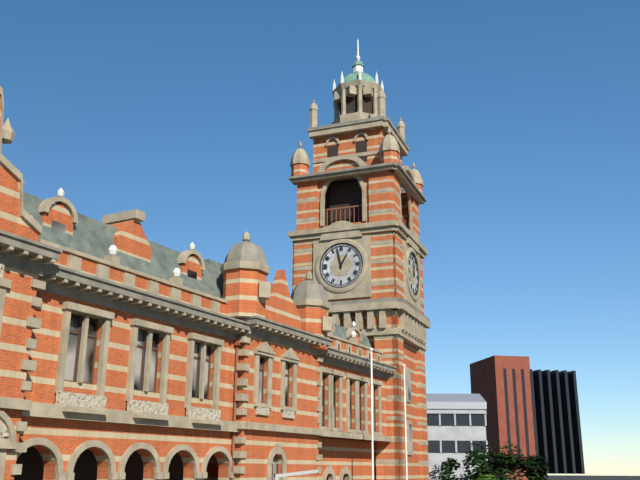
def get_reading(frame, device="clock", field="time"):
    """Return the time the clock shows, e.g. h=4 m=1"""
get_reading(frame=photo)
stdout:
h=12 m=58
